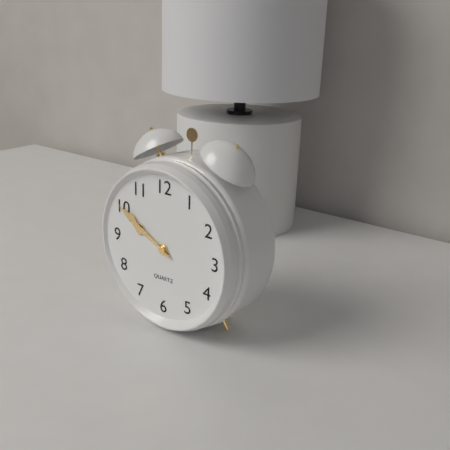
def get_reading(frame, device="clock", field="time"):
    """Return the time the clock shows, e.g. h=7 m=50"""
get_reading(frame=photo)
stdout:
h=9 m=50
